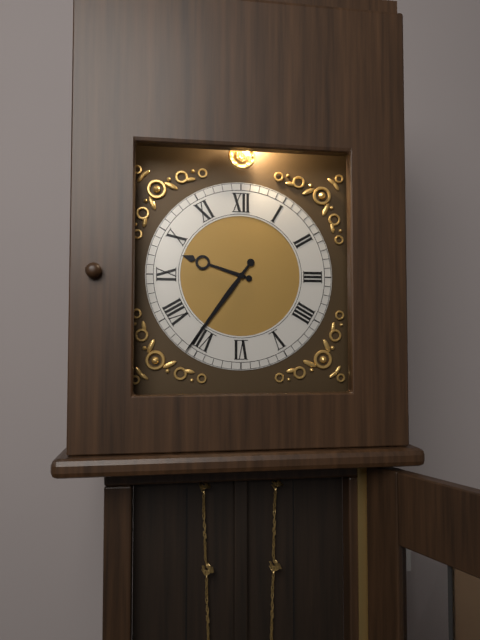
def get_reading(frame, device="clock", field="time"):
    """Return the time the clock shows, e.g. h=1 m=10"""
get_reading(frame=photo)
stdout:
h=9 m=36
